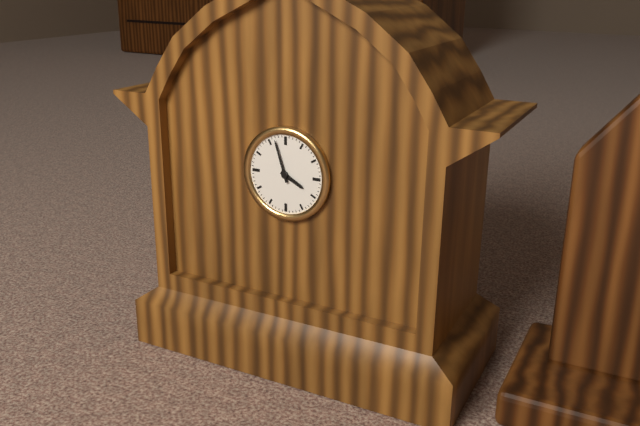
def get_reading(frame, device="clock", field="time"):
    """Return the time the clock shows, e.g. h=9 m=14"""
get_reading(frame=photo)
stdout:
h=3 m=57
